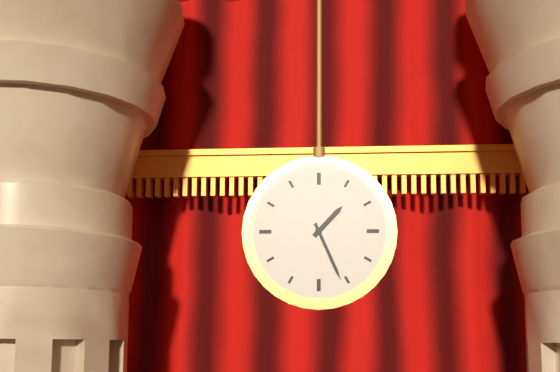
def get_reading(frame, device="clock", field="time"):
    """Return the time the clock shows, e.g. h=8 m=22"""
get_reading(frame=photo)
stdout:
h=1 m=26
